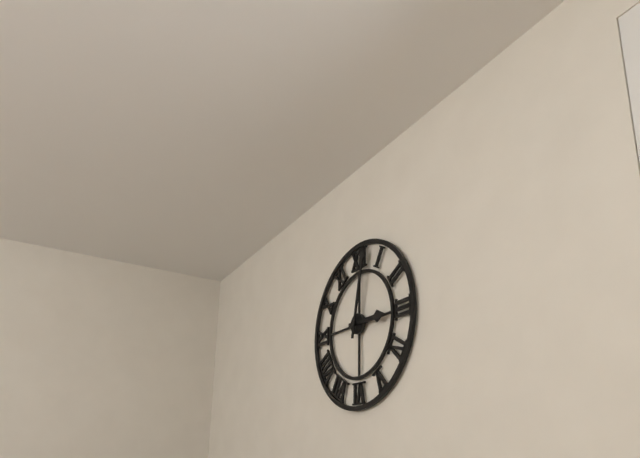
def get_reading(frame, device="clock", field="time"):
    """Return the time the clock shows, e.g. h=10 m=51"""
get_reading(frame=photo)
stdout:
h=3 m=2
